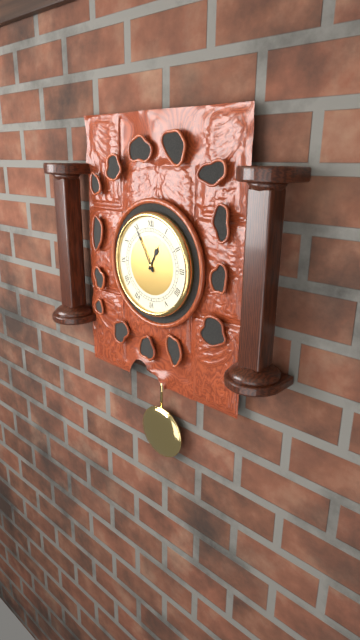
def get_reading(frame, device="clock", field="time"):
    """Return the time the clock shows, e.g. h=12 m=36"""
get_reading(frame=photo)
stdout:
h=12 m=55
